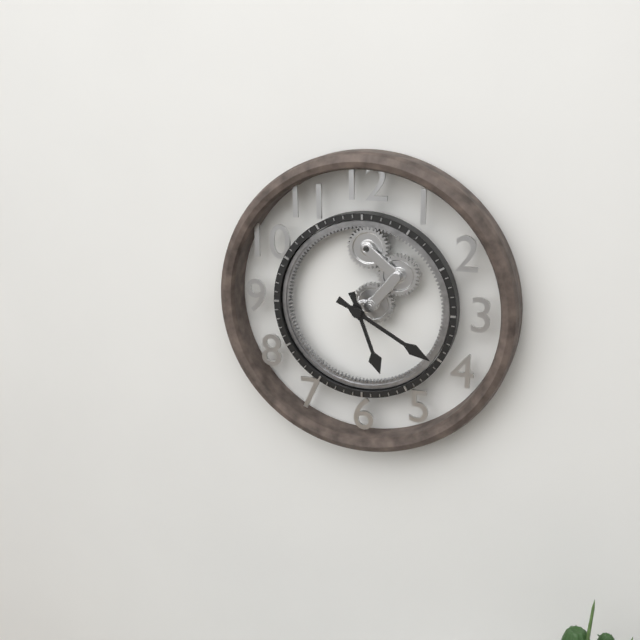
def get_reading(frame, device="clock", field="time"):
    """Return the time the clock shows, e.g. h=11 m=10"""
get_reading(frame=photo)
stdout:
h=5 m=20
